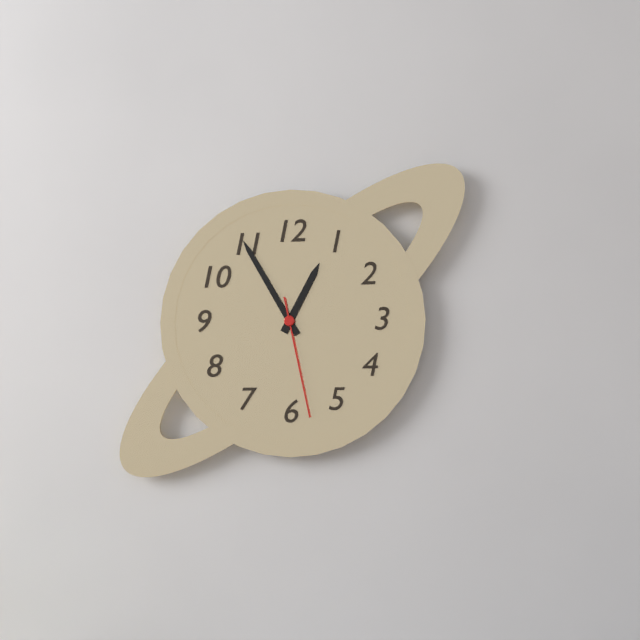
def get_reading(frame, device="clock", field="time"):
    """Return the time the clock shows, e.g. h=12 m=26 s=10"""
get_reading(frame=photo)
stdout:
h=12 m=55 s=28
